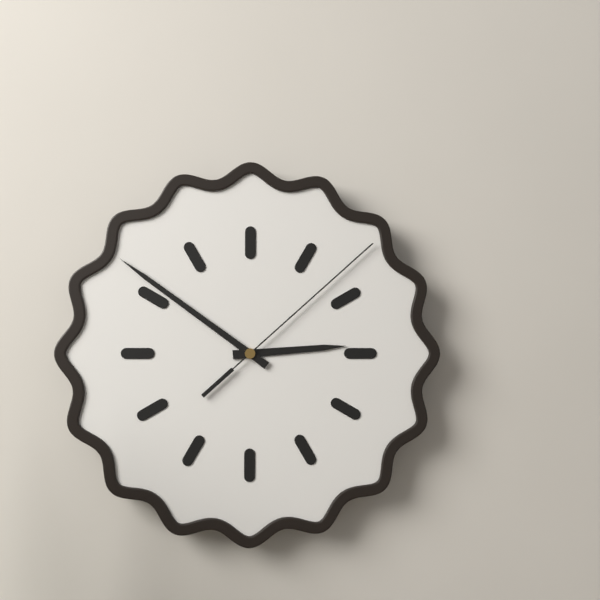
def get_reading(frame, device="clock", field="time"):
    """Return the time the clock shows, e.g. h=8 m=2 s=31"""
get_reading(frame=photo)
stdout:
h=2 m=51 s=8
